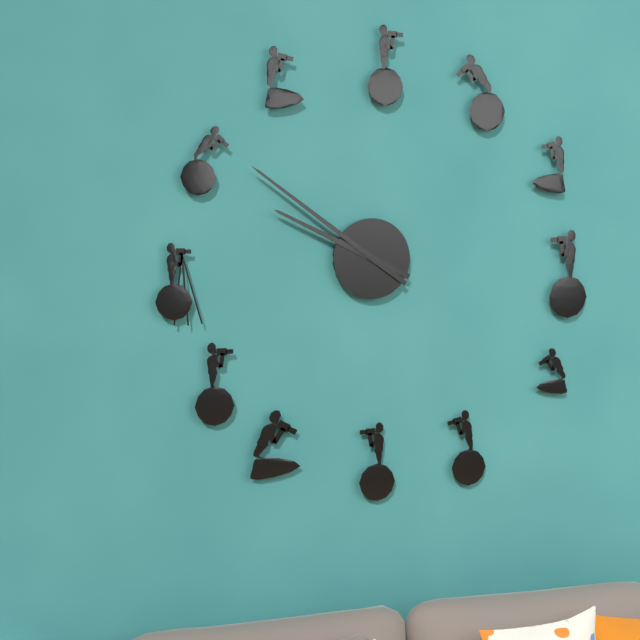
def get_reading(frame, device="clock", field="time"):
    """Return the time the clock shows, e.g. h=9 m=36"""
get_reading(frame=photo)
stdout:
h=9 m=51
